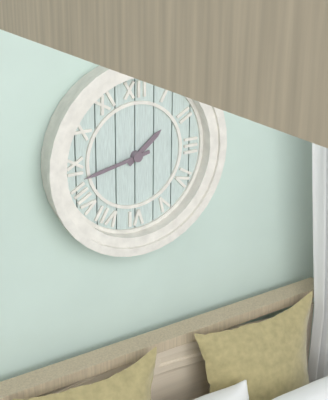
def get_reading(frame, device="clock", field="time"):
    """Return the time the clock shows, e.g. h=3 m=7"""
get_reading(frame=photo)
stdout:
h=1 m=43
